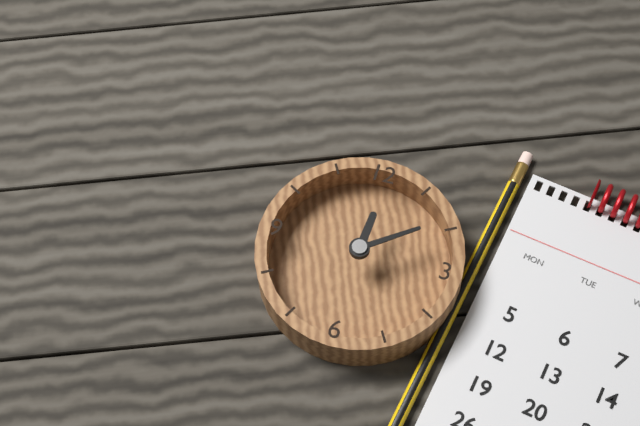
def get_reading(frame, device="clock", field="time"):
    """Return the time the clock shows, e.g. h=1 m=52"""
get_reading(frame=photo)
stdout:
h=12 m=9
